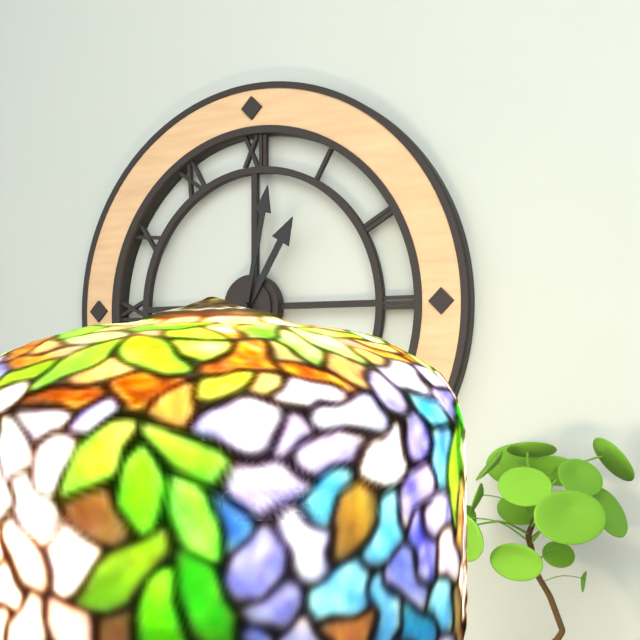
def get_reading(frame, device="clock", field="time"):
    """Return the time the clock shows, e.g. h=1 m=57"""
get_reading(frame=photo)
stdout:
h=1 m=2
